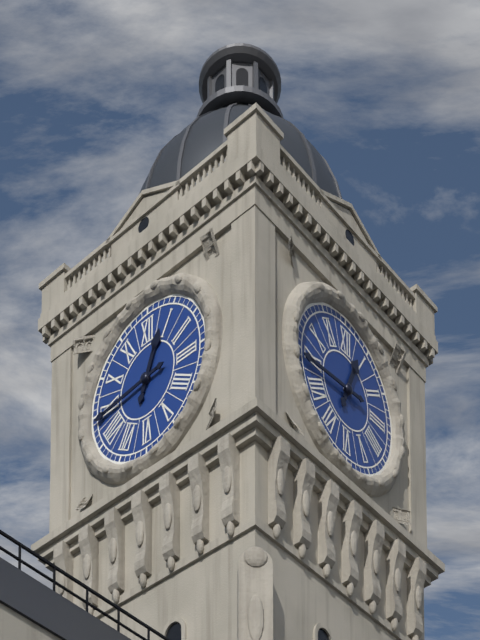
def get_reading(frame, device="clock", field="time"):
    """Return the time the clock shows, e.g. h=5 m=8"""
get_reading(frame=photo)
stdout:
h=12 m=44
